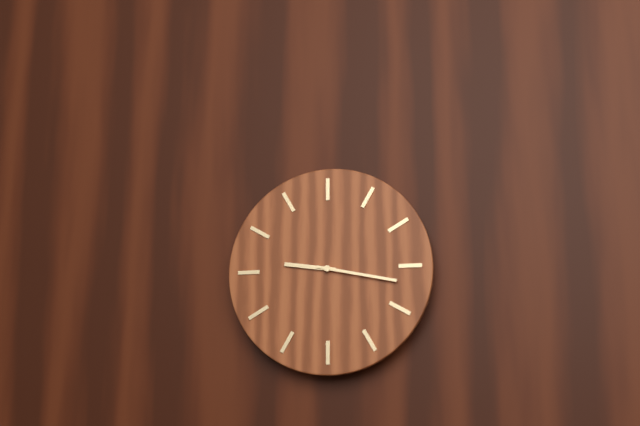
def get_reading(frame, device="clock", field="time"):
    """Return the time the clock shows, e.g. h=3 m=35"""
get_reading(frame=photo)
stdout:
h=9 m=17
